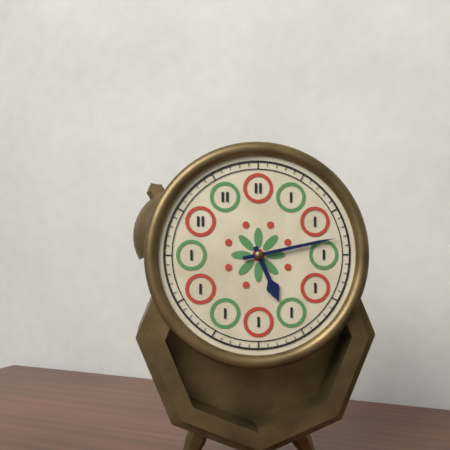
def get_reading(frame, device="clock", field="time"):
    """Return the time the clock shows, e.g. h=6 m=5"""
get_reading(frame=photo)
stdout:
h=5 m=13
